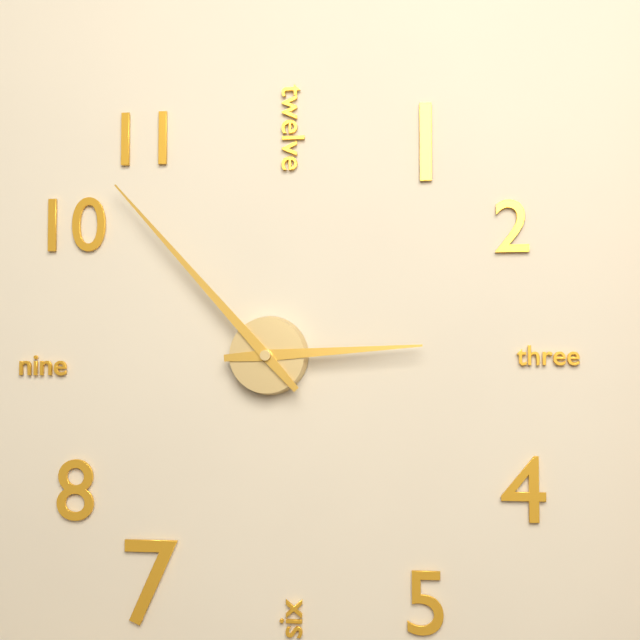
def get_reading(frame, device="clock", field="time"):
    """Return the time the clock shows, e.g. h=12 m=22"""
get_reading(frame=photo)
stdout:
h=2 m=53
